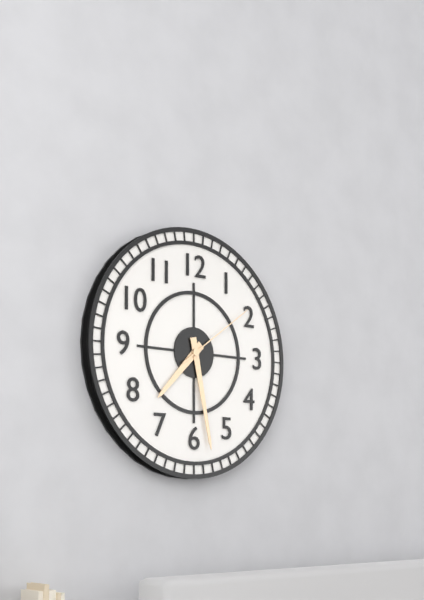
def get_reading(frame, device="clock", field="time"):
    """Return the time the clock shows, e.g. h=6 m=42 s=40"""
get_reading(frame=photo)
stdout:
h=7 m=28 s=9
